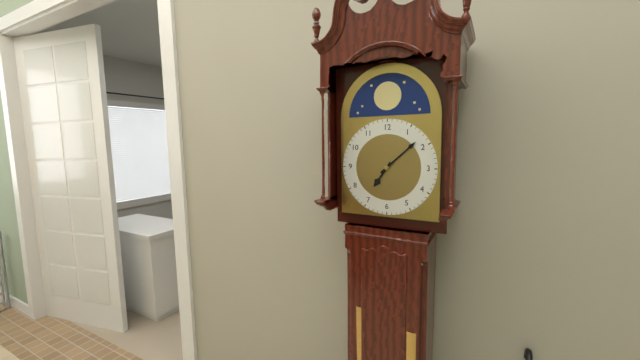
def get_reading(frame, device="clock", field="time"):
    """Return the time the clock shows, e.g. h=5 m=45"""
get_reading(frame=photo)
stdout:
h=7 m=8
